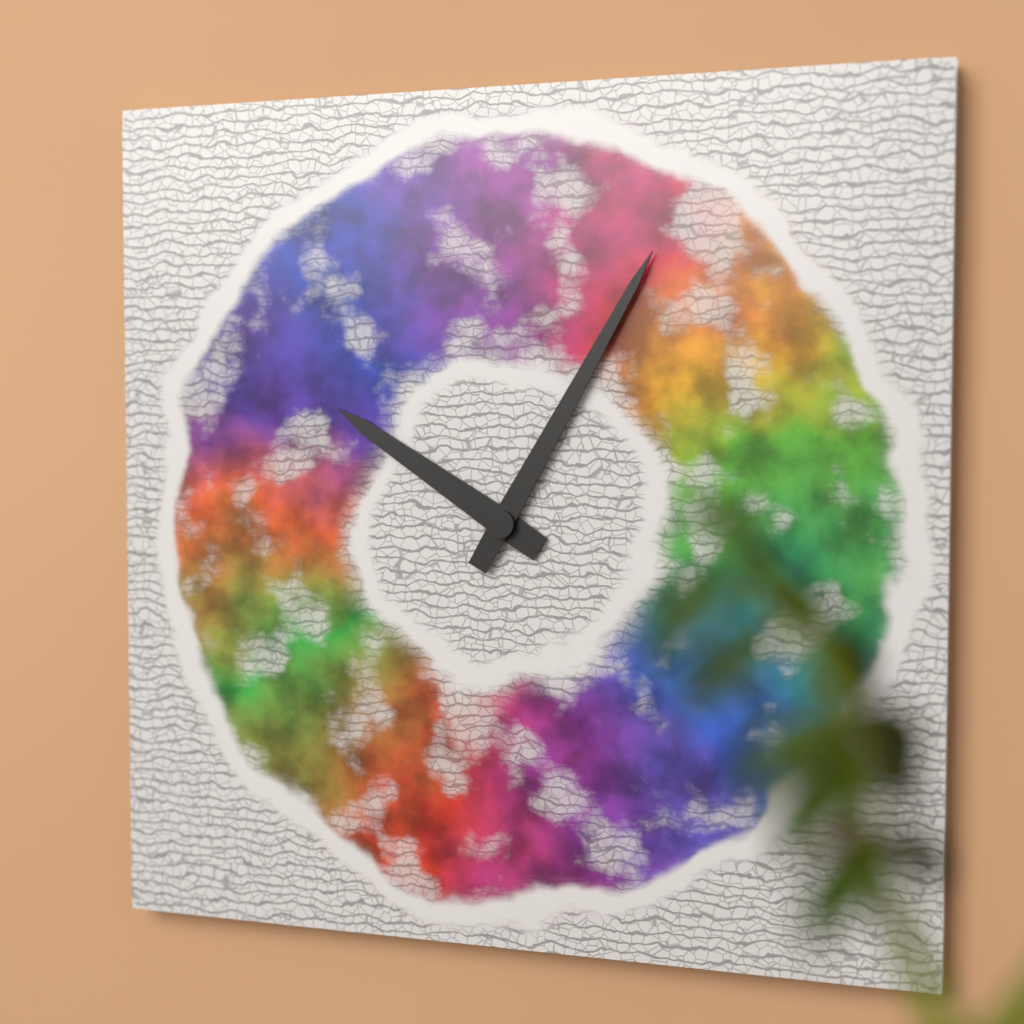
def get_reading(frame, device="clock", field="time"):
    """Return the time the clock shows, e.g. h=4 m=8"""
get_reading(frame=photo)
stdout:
h=10 m=5
